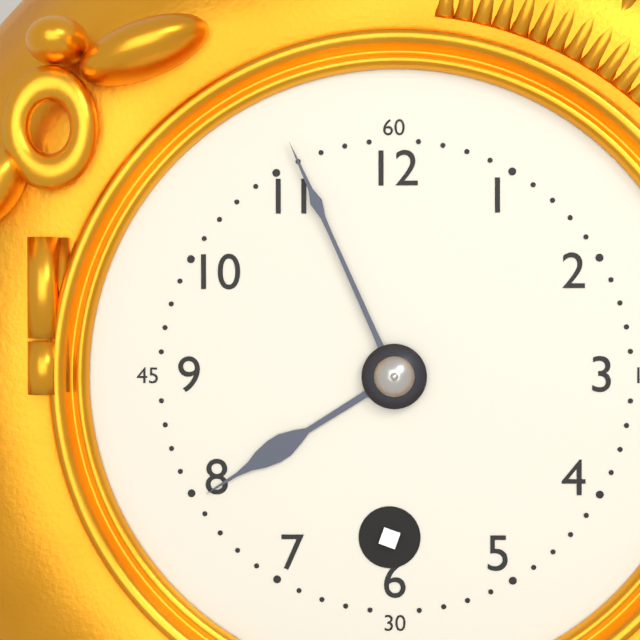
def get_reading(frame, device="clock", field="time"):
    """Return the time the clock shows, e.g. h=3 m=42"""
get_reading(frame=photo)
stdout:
h=7 m=56
